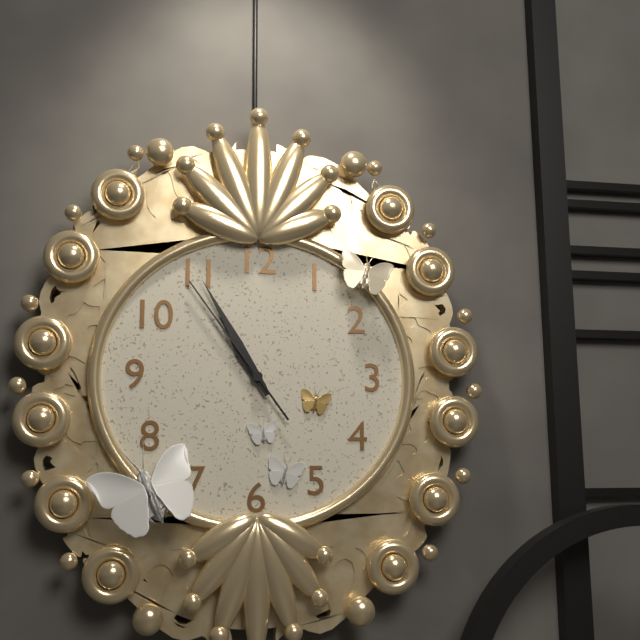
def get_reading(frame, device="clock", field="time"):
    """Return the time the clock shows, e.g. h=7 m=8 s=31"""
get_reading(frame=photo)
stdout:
h=10 m=55 s=54
